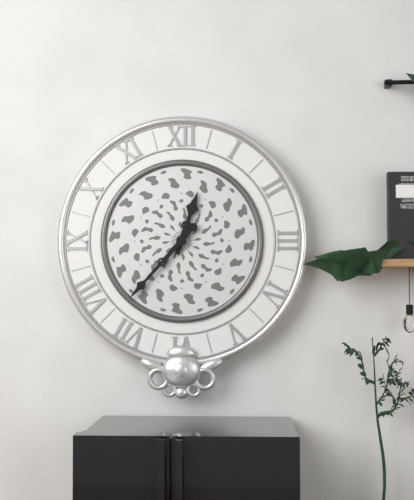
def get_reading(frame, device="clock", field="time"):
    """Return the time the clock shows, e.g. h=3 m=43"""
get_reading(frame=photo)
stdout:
h=12 m=37
